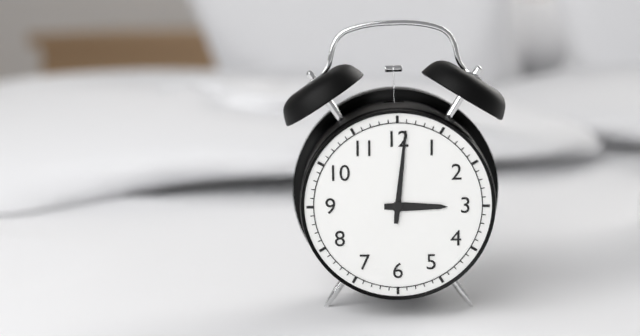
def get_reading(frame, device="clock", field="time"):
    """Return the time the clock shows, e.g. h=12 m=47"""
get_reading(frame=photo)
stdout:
h=3 m=1
